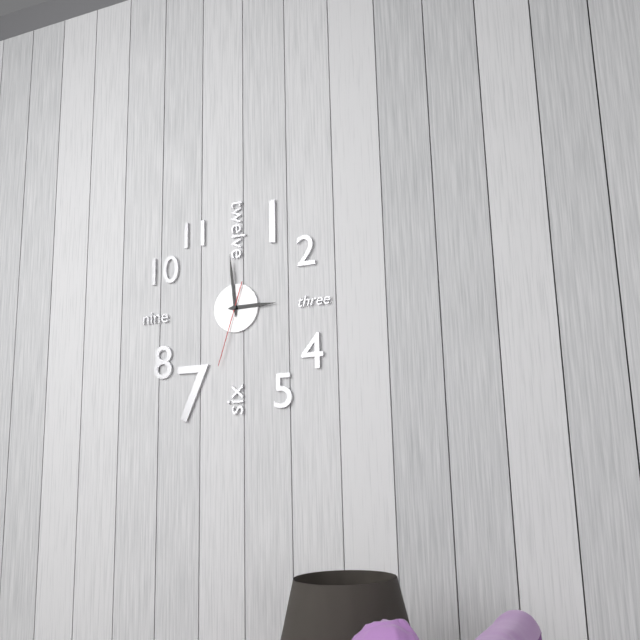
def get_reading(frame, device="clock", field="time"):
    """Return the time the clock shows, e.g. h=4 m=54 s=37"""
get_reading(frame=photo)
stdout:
h=2 m=59 s=33
